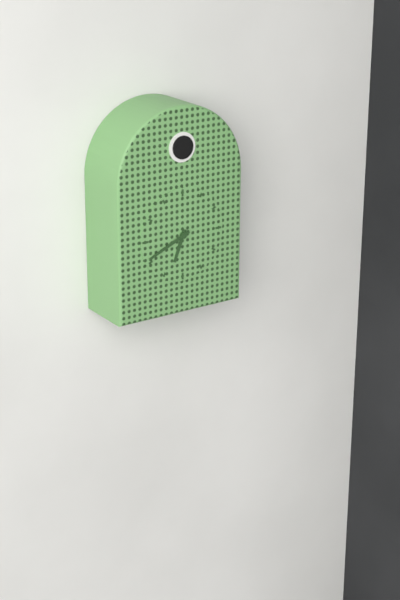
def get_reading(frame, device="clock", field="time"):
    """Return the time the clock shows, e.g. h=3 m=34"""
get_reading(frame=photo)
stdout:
h=6 m=41
